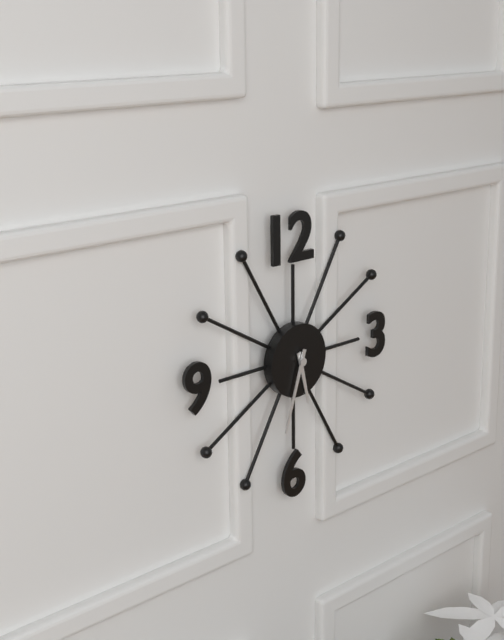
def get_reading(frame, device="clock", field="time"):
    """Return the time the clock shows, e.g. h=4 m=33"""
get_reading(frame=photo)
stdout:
h=5 m=33
